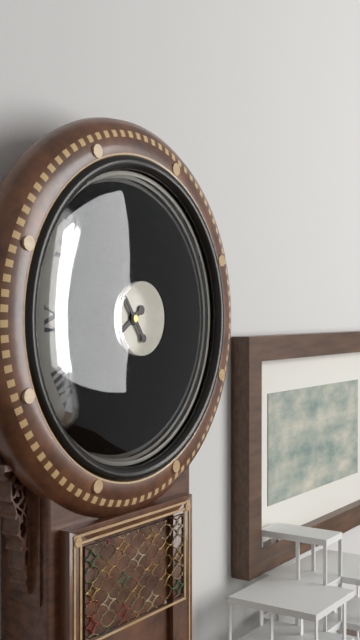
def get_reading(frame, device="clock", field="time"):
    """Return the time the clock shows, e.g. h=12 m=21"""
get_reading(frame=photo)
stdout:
h=7 m=54
